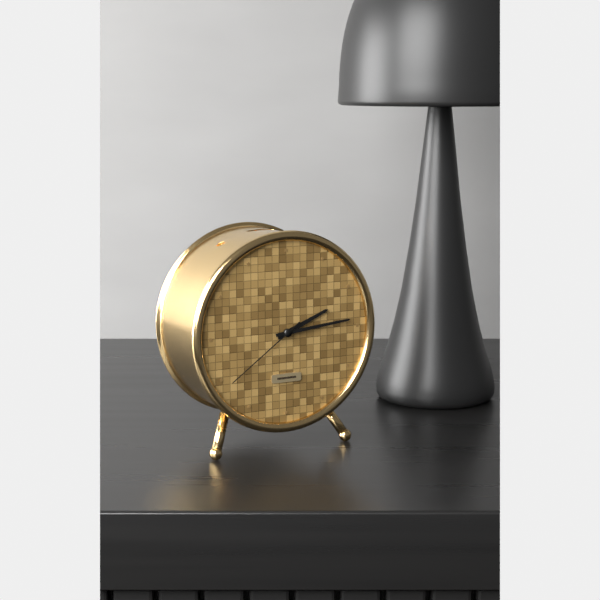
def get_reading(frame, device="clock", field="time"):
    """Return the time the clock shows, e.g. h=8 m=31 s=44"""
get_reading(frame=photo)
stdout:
h=2 m=14 s=39
